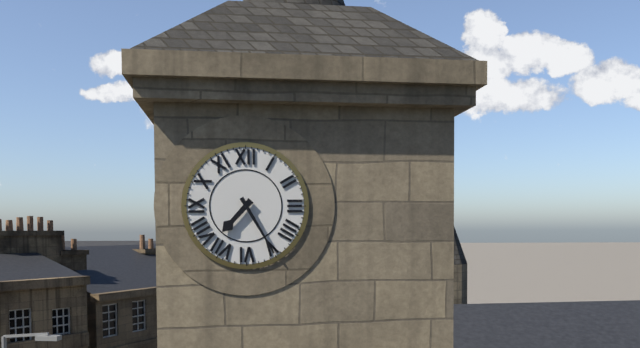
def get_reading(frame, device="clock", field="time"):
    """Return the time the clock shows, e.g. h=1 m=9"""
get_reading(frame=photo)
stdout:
h=7 m=25
